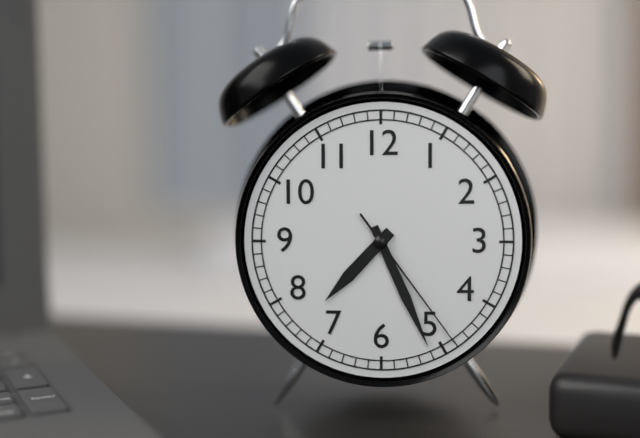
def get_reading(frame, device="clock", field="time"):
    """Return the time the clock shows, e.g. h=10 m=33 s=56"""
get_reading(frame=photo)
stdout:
h=7 m=26 s=24
